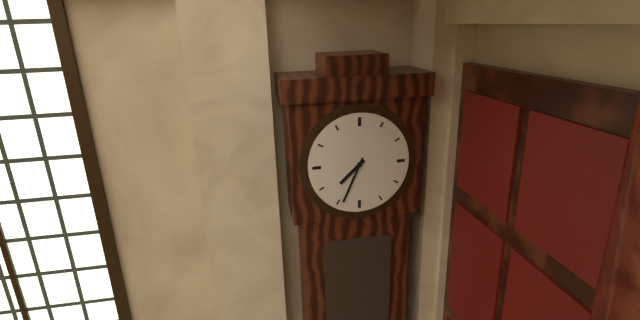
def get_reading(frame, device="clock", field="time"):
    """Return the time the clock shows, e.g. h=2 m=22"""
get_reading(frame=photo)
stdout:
h=7 m=34
